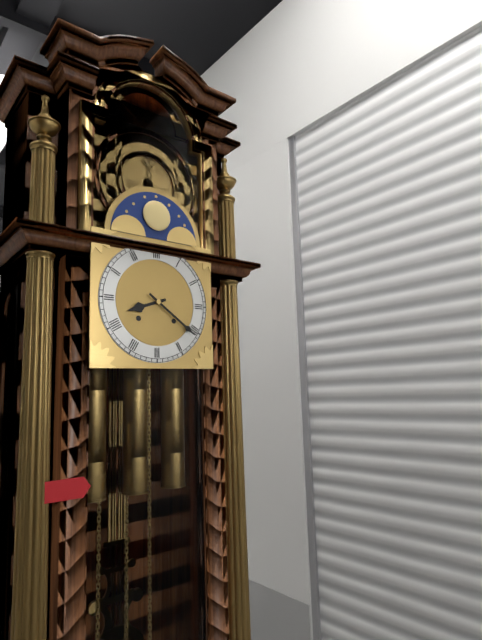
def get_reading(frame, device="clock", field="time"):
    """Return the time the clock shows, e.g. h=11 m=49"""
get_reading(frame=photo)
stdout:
h=8 m=21
